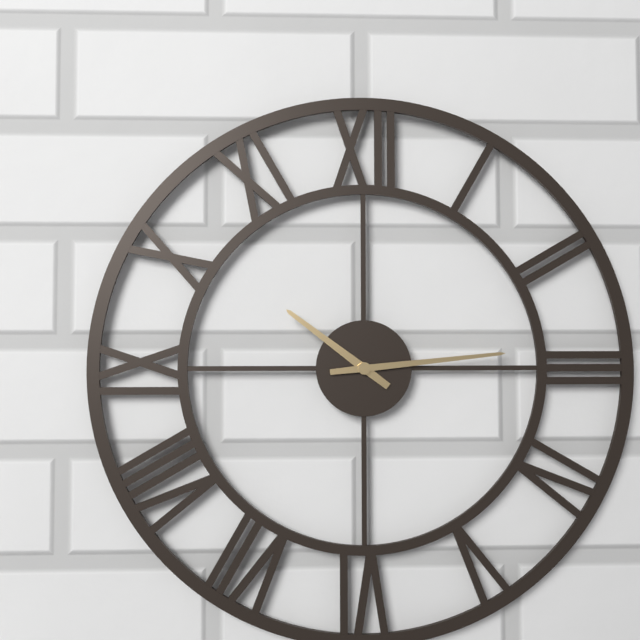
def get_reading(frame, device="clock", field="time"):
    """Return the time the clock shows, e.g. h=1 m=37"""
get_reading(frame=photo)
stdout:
h=10 m=14
